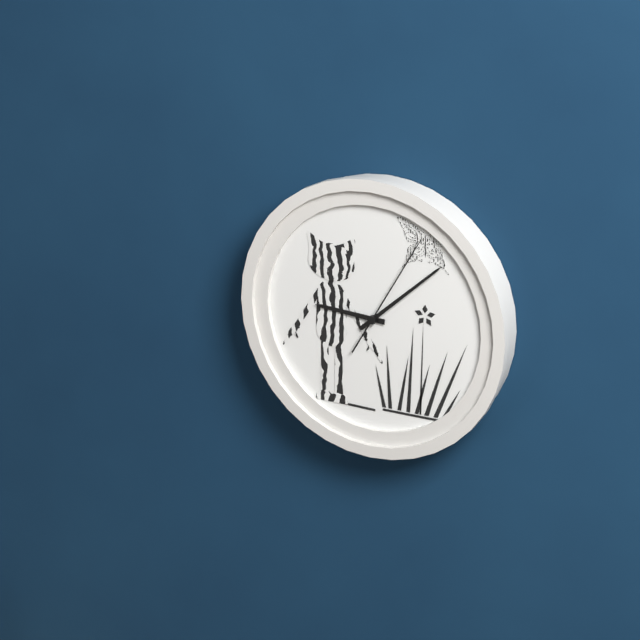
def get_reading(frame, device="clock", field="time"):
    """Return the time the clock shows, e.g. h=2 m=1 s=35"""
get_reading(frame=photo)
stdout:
h=9 m=8 s=5
